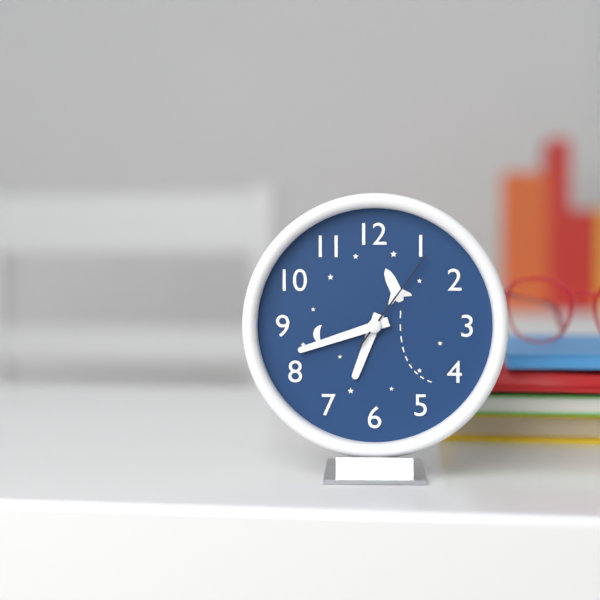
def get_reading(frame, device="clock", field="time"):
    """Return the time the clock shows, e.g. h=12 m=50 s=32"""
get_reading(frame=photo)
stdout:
h=6 m=42 s=6
